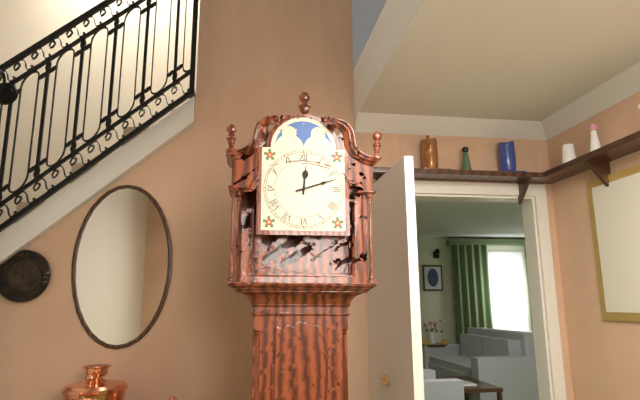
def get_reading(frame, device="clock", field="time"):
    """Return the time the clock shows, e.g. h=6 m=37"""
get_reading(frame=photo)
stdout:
h=12 m=12
